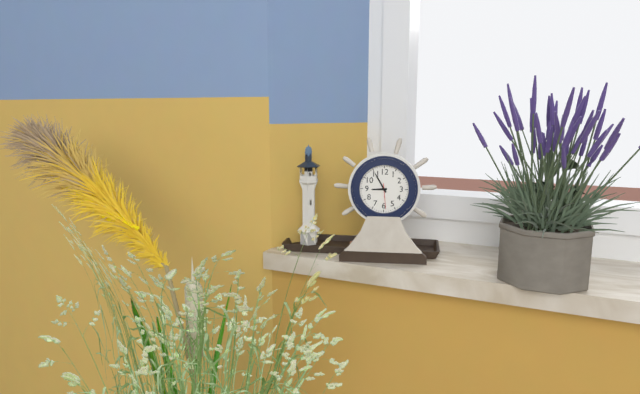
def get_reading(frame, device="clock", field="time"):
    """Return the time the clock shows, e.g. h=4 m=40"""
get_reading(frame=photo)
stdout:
h=8 m=55
